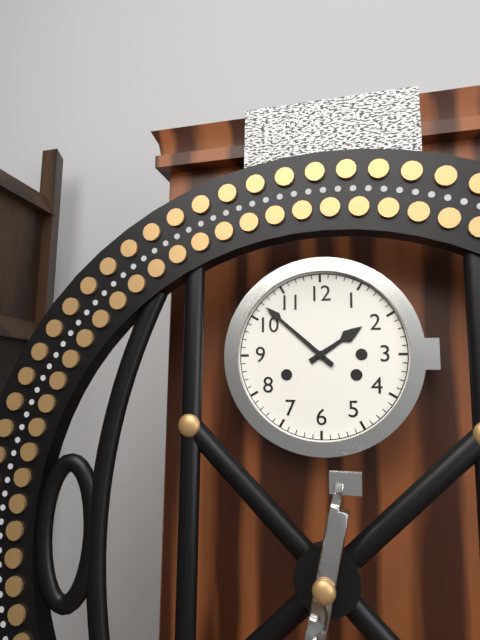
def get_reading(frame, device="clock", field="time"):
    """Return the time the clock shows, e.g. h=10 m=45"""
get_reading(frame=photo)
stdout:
h=1 m=52
